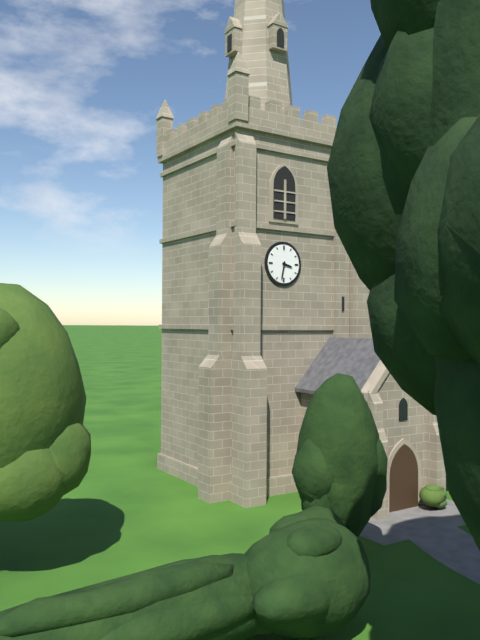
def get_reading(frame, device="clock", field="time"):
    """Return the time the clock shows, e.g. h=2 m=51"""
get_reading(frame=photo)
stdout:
h=3 m=32
